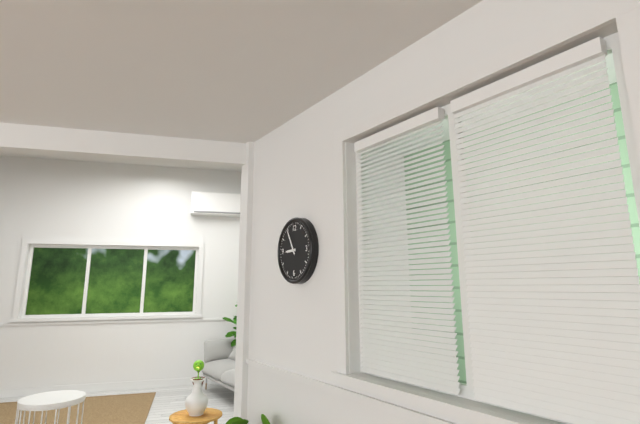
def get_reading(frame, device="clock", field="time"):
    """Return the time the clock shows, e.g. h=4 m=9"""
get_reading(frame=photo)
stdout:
h=8 m=55
